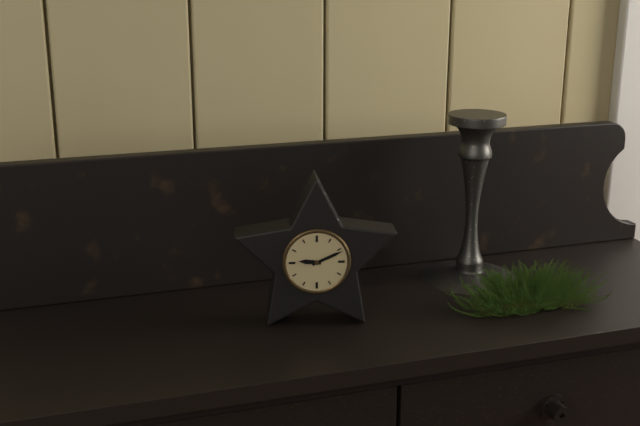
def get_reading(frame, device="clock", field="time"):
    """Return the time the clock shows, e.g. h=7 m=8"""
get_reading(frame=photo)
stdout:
h=9 m=11
